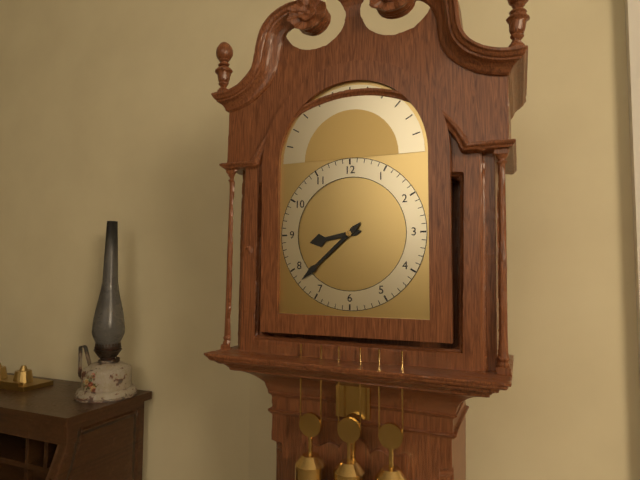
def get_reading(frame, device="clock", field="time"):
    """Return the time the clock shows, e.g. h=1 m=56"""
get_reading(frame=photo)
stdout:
h=8 m=38
